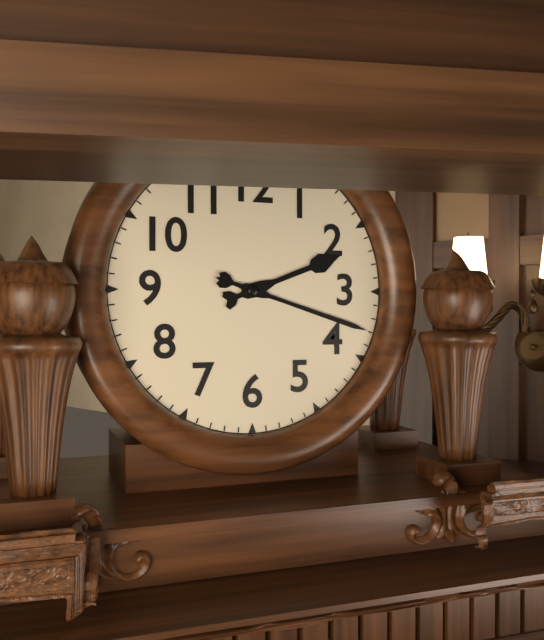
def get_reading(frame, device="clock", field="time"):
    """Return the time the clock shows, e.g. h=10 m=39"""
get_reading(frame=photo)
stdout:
h=2 m=18
